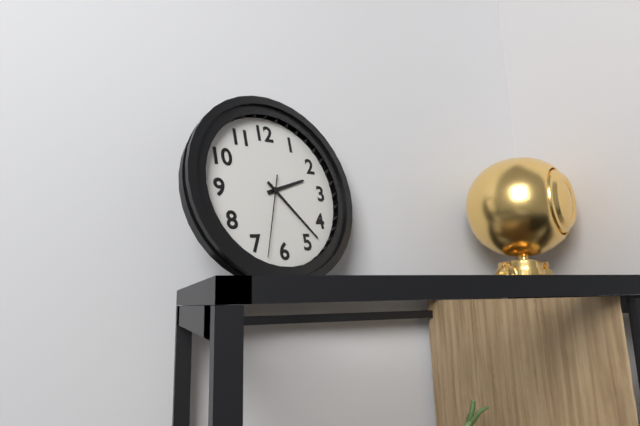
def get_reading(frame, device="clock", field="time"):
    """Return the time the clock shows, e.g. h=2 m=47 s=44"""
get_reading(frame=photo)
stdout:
h=2 m=23 s=33
